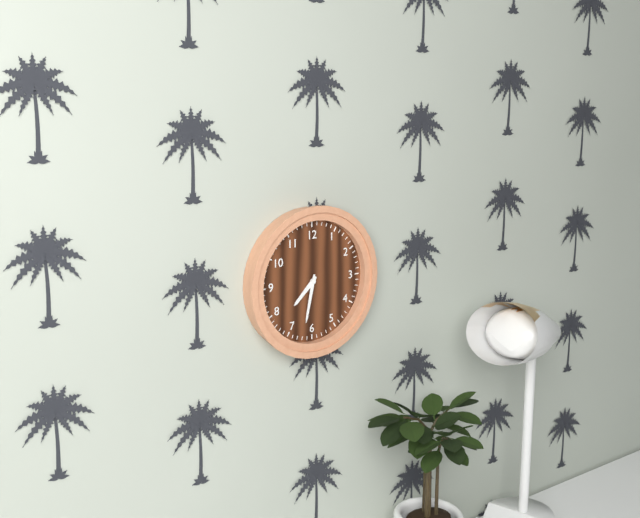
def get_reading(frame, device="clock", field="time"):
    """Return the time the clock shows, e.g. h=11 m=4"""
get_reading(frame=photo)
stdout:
h=7 m=32
